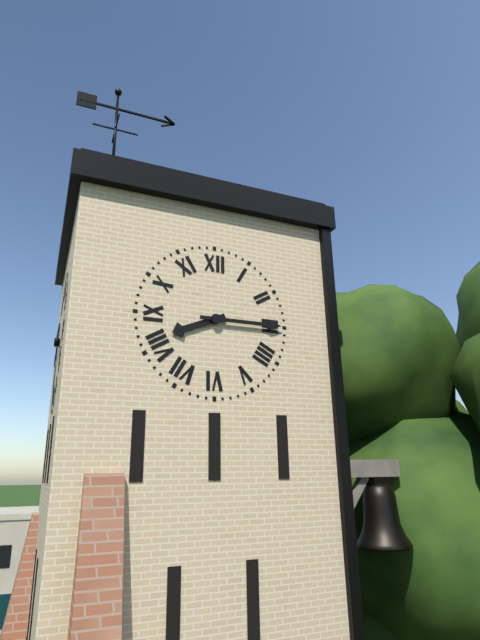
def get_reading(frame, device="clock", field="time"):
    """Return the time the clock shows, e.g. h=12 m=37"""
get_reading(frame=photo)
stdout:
h=8 m=15
